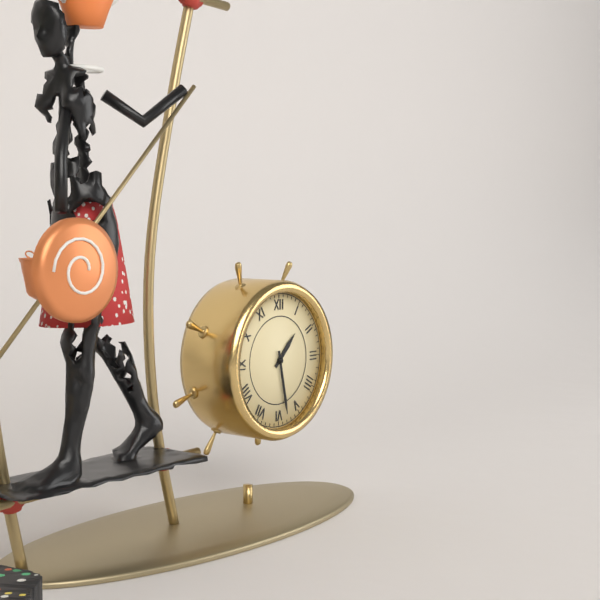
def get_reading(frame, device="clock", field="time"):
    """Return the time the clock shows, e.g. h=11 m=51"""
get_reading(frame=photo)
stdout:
h=1 m=28
